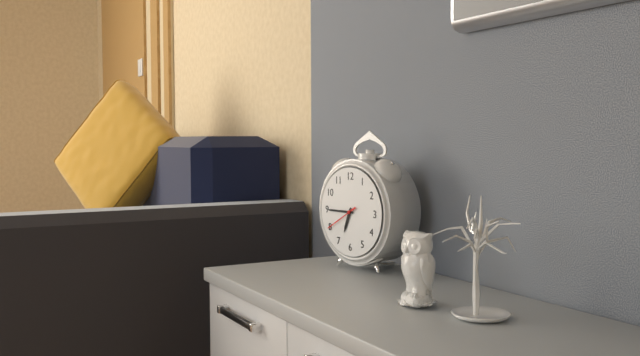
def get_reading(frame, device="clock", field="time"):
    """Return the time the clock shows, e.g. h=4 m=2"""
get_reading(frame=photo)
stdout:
h=6 m=45
